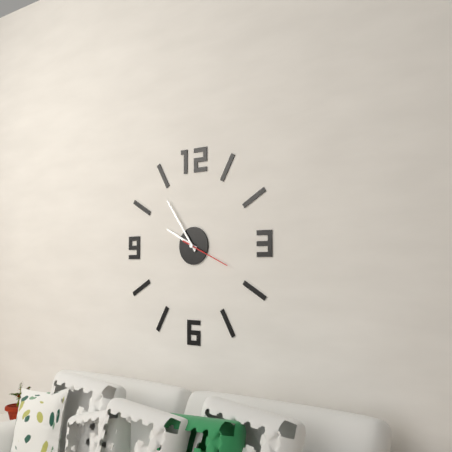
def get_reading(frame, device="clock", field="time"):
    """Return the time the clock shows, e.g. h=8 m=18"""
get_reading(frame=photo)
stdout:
h=9 m=54
